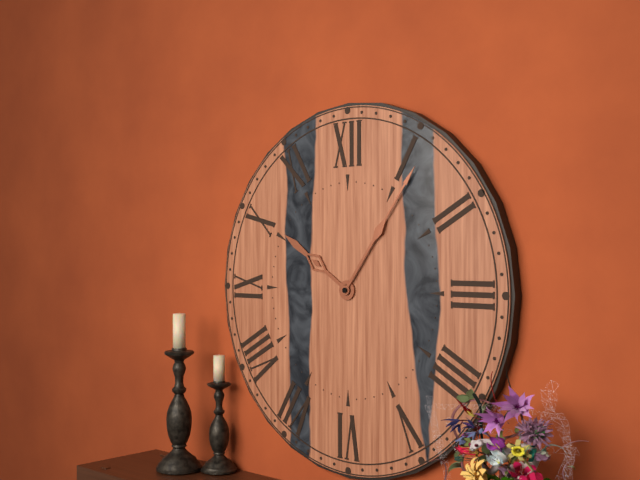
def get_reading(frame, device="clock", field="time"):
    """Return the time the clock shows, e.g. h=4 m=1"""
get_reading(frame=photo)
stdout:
h=10 m=6
